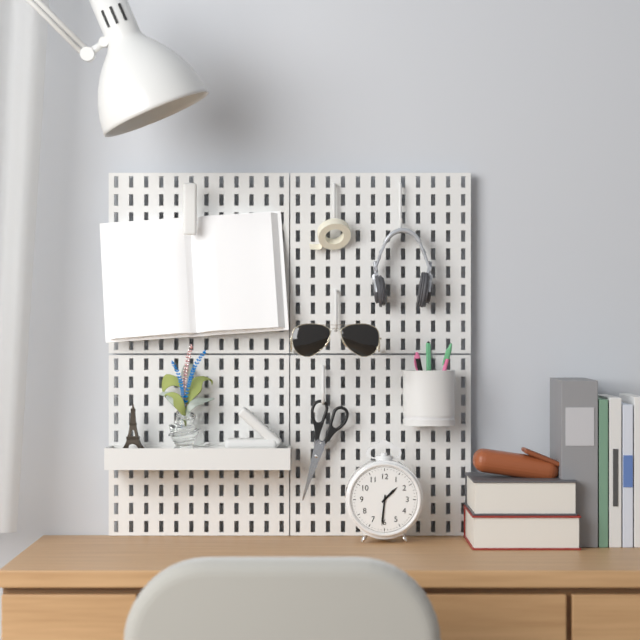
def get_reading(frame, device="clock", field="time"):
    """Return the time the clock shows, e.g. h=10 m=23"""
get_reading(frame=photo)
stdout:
h=1 m=31
